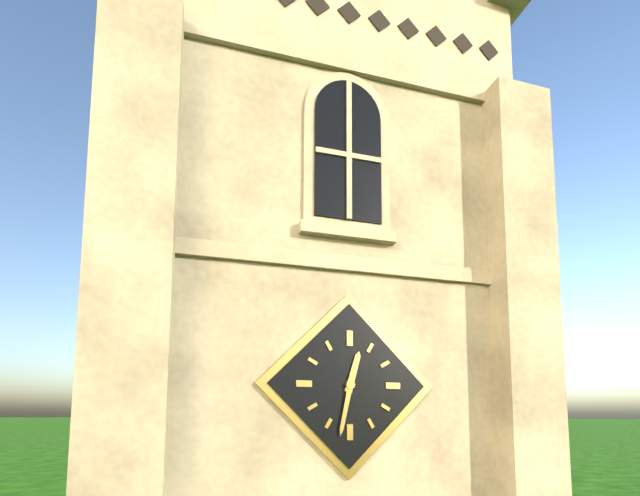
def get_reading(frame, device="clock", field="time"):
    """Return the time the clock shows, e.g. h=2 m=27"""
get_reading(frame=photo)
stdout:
h=12 m=32
